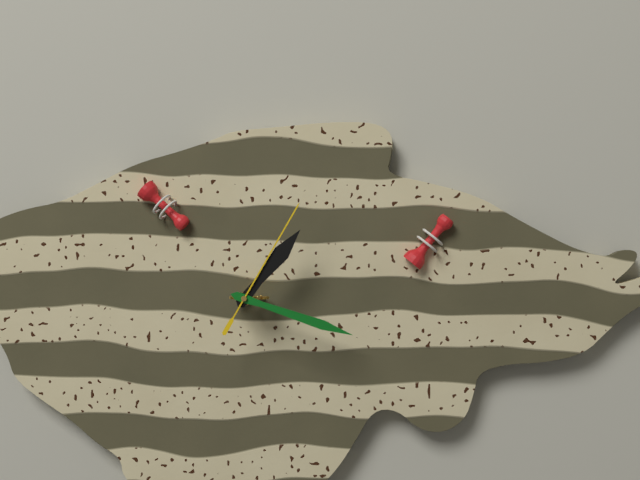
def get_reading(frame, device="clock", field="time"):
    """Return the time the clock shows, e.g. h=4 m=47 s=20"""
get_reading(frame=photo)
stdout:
h=1 m=18 s=5
